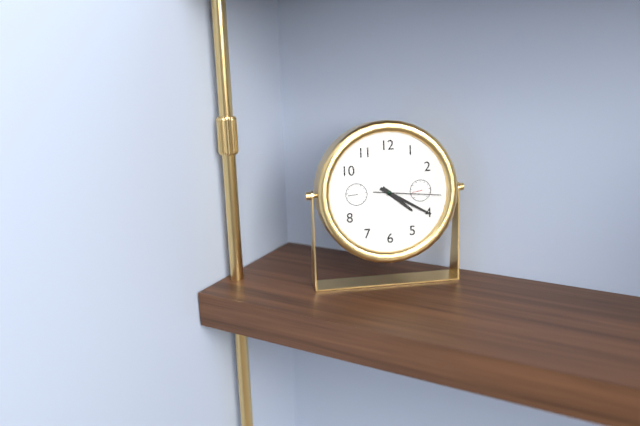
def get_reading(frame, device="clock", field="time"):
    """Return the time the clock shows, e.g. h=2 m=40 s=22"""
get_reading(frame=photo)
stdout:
h=4 m=20 s=16
